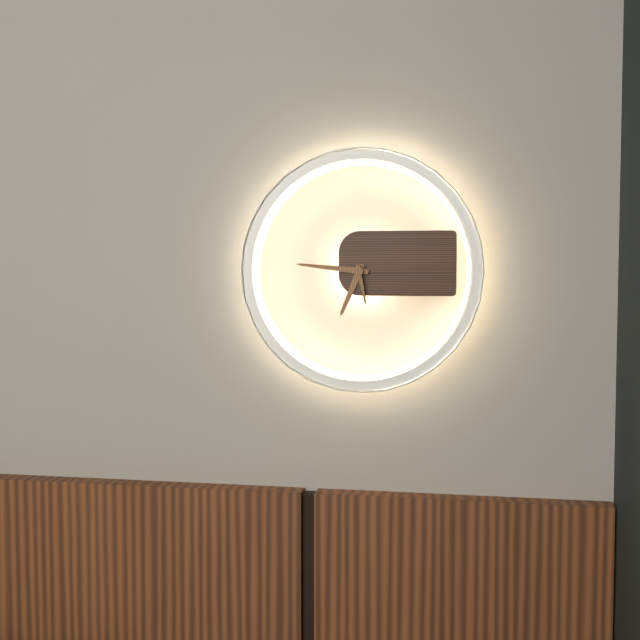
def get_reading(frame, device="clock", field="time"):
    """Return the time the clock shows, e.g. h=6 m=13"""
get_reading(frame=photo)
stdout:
h=6 m=46
